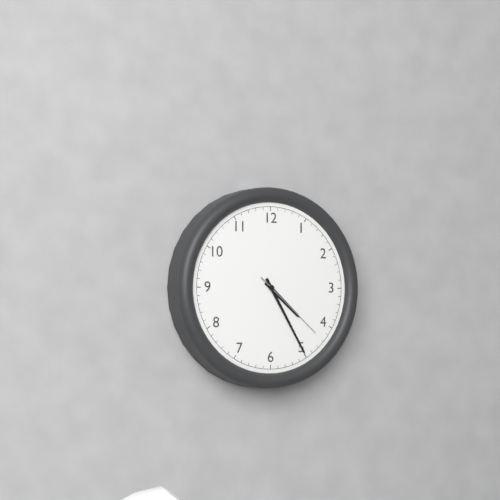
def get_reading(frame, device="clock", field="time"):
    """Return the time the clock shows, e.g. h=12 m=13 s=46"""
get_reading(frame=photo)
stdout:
h=4 m=25 s=22
